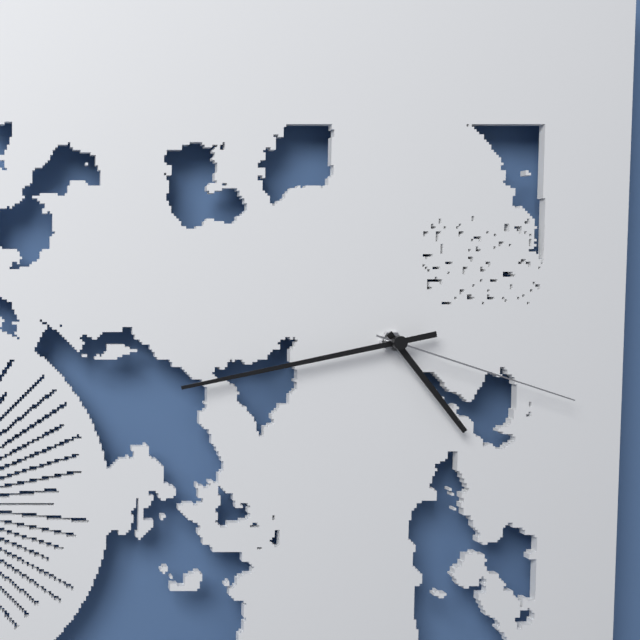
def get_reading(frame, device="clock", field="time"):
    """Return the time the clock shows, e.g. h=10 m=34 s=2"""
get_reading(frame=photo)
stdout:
h=4 m=43 s=18
